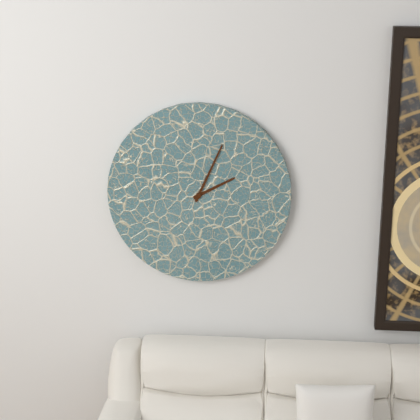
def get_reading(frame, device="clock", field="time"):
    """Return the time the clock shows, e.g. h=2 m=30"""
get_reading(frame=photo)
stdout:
h=2 m=4
